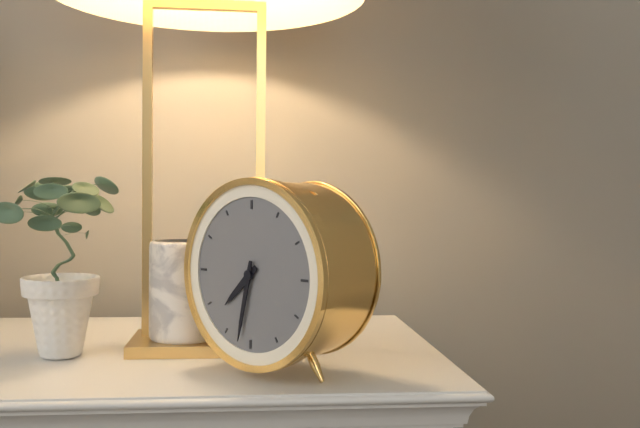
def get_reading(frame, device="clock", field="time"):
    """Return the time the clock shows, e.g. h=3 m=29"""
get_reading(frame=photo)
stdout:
h=7 m=32
